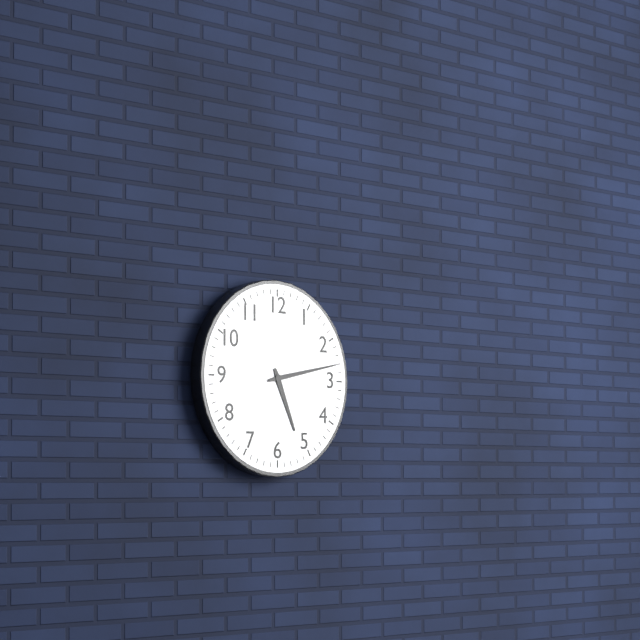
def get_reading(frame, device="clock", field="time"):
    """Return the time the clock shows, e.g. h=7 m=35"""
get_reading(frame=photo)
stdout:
h=5 m=13
